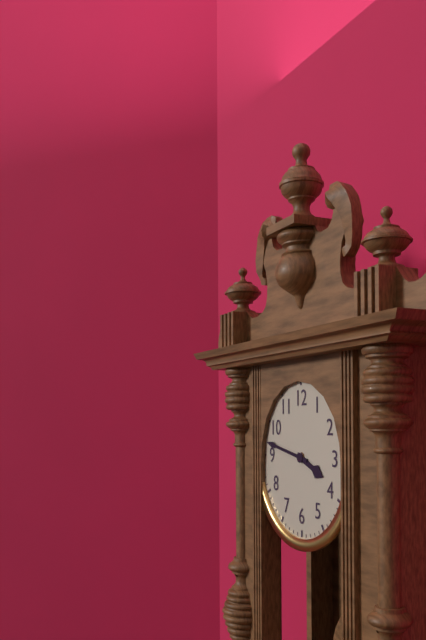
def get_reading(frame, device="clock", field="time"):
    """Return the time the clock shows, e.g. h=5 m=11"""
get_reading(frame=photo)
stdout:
h=3 m=47
